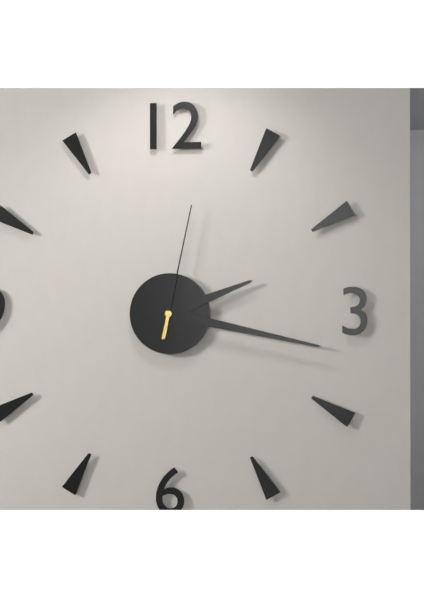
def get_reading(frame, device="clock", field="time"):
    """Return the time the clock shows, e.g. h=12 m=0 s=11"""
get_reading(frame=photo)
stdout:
h=2 m=17 s=2
